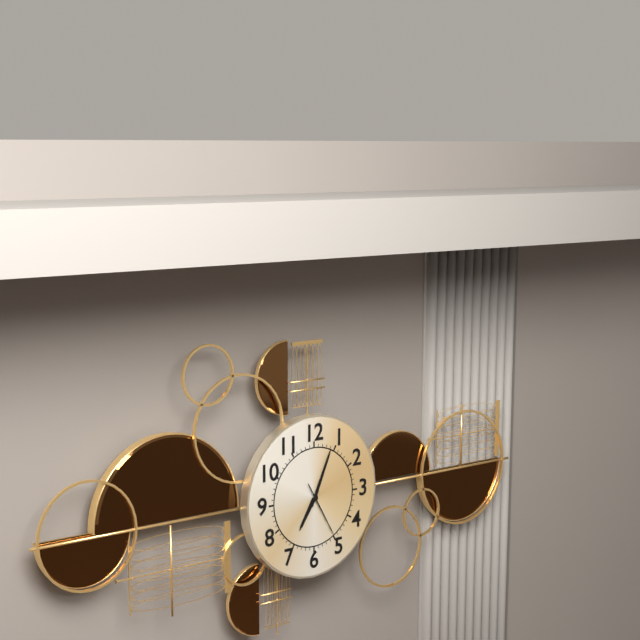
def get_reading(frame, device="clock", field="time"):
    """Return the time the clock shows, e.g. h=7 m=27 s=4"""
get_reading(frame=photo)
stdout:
h=7 m=4 s=25
